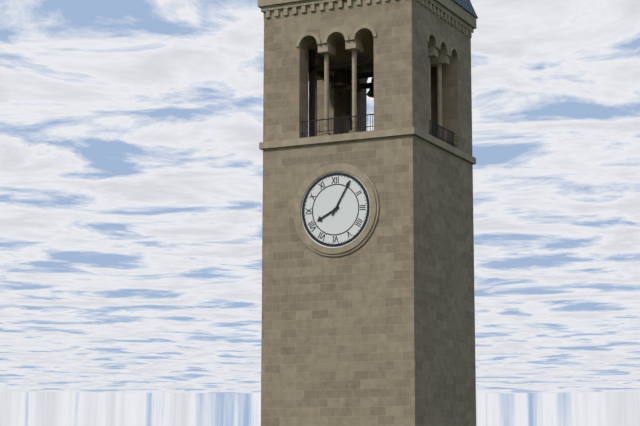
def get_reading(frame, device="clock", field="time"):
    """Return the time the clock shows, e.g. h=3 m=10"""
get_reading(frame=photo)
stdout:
h=8 m=5
